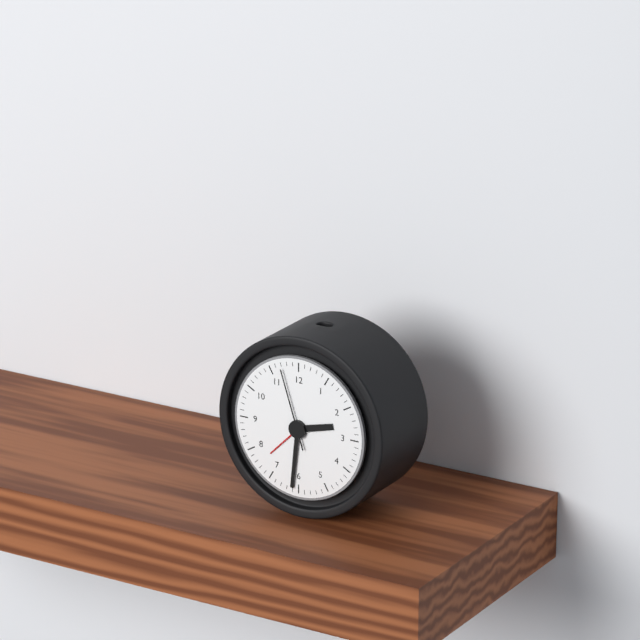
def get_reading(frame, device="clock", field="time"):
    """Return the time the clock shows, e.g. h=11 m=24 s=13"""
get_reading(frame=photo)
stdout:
h=2 m=31 s=57
